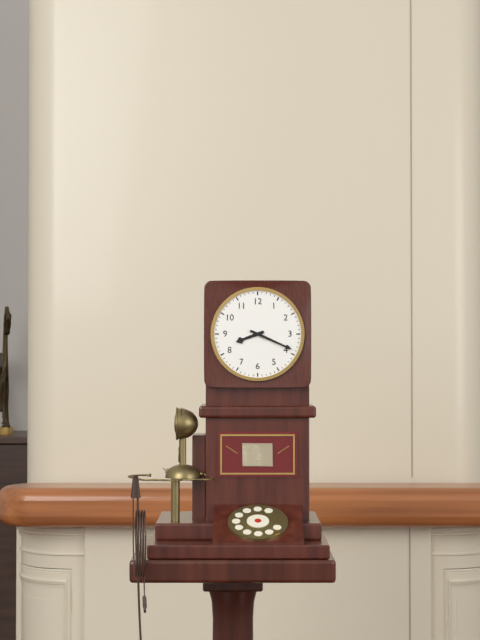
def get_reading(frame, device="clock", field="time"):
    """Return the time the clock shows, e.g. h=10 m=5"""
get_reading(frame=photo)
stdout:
h=8 m=19
